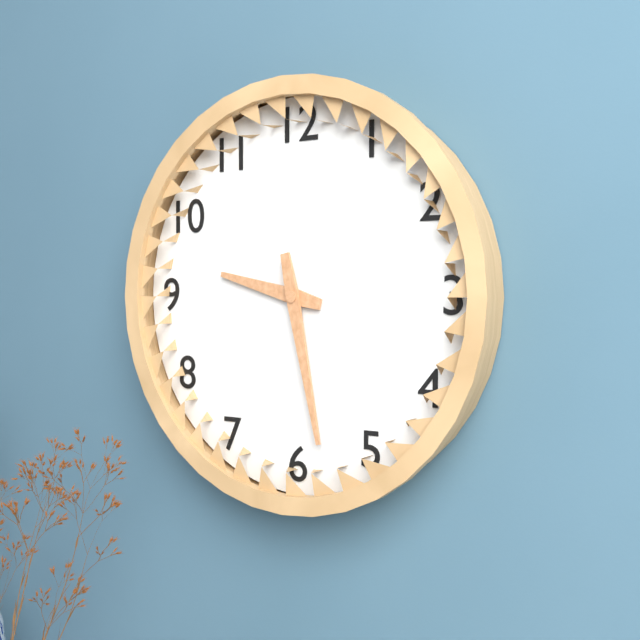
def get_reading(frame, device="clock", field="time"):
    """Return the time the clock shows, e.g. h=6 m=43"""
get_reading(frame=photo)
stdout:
h=9 m=28
